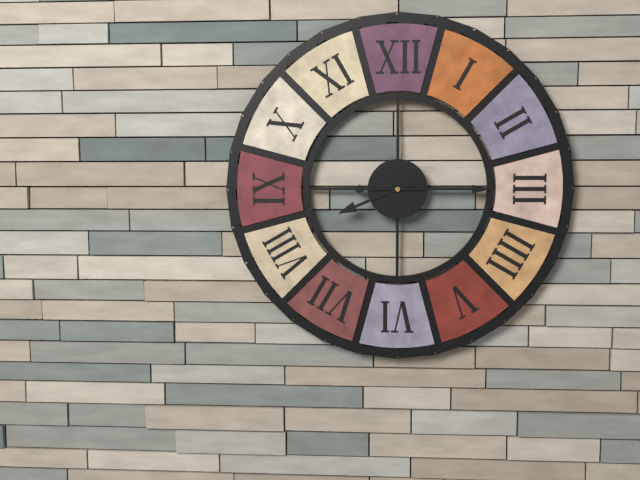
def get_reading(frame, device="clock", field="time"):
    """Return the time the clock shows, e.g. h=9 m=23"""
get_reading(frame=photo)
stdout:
h=8 m=15
